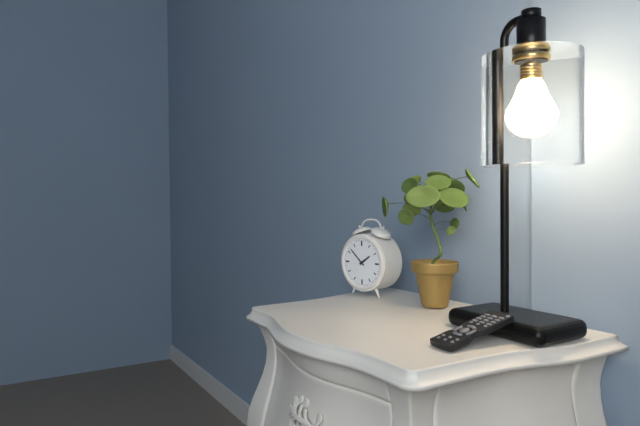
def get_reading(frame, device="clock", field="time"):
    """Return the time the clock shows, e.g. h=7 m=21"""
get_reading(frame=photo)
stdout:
h=1 m=52
